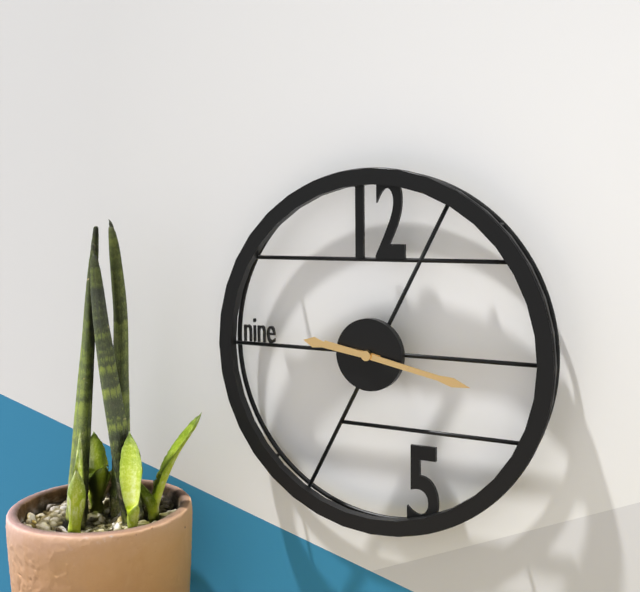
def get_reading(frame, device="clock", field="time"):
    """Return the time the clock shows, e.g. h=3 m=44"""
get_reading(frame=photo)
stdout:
h=9 m=17
